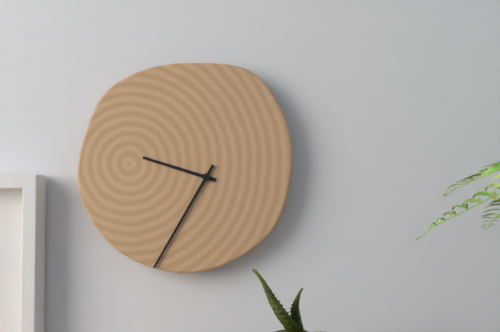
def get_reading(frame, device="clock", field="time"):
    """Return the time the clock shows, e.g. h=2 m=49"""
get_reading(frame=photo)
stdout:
h=9 m=35
